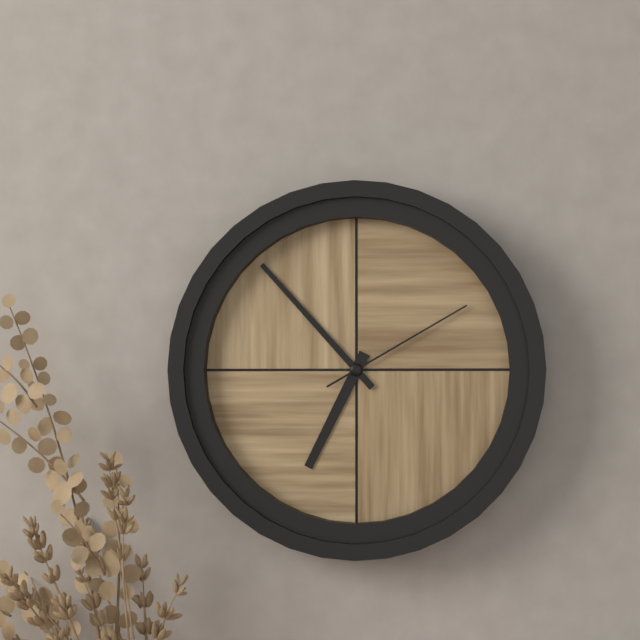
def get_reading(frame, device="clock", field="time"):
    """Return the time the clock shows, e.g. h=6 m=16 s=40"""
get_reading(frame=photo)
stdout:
h=6 m=53 s=10
